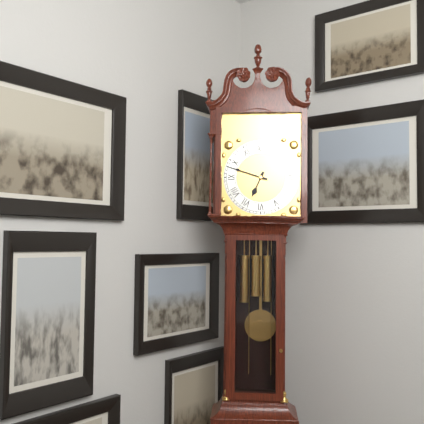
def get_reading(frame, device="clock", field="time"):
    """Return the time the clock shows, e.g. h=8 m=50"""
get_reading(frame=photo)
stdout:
h=6 m=48
